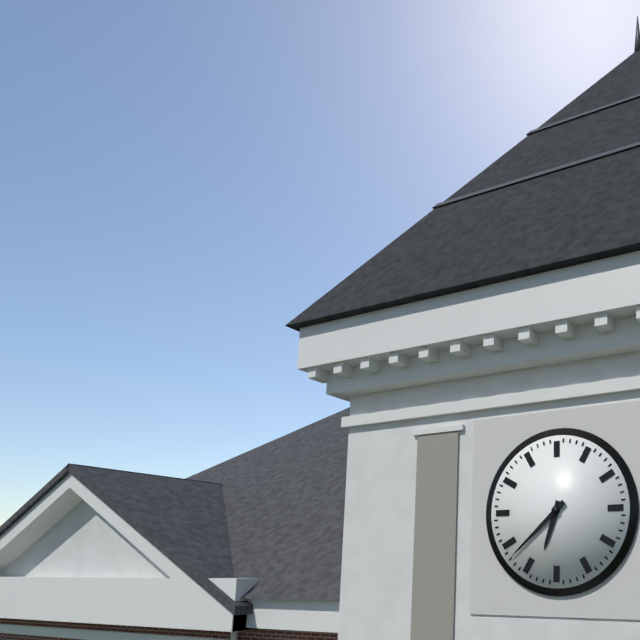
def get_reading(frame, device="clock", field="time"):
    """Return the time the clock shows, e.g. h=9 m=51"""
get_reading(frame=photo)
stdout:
h=6 m=38
